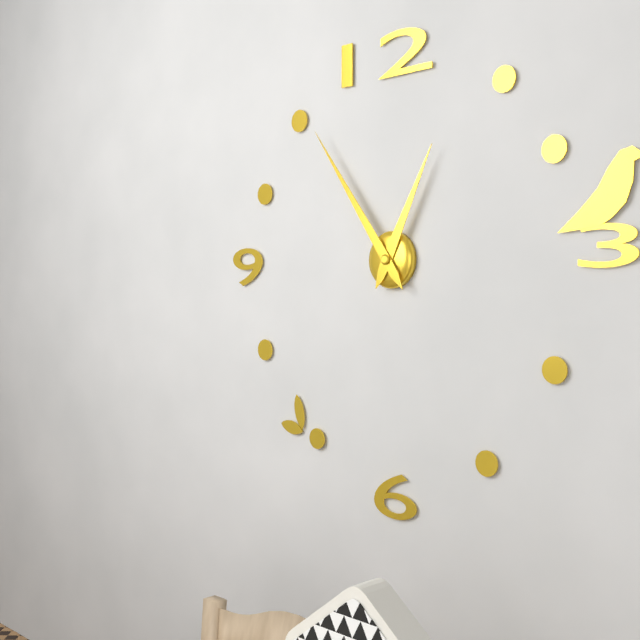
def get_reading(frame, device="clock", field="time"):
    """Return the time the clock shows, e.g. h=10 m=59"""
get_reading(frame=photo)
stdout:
h=12 m=54
